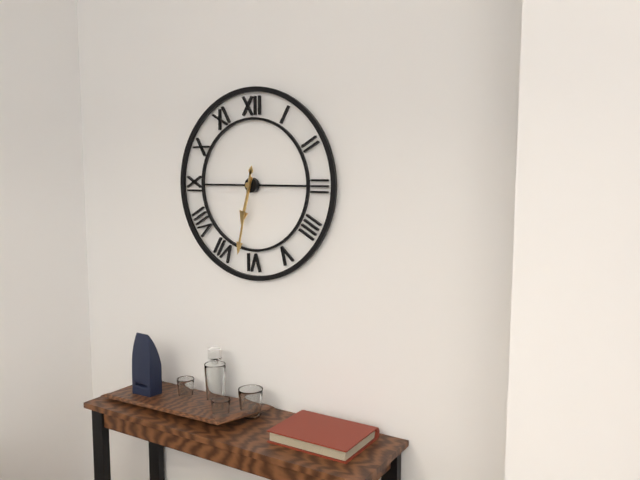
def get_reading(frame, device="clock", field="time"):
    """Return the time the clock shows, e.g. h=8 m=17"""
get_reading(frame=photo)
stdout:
h=6 m=32
